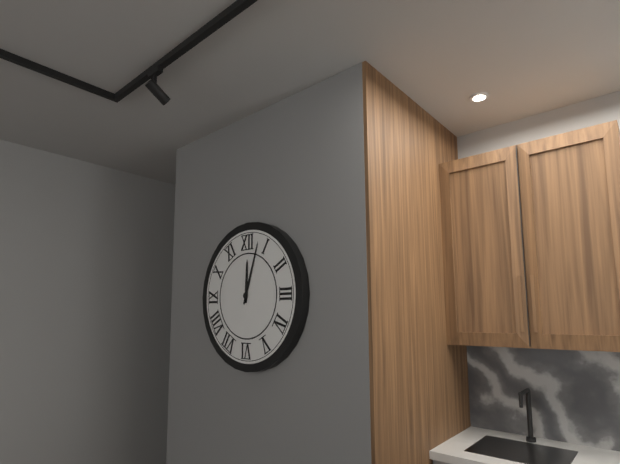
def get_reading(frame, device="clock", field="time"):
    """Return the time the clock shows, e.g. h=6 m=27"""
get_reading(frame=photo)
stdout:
h=12 m=3
